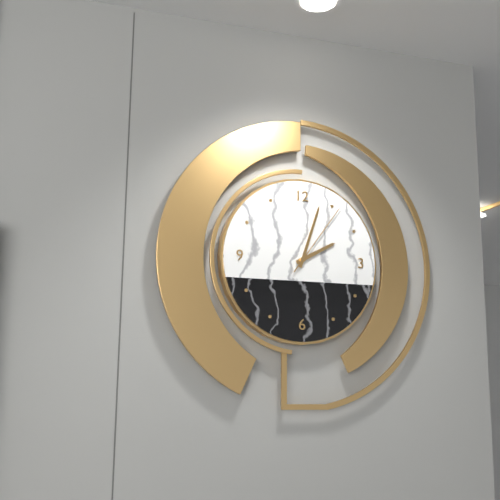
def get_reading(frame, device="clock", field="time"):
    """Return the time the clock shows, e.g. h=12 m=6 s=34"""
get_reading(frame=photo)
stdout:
h=2 m=3 s=6
